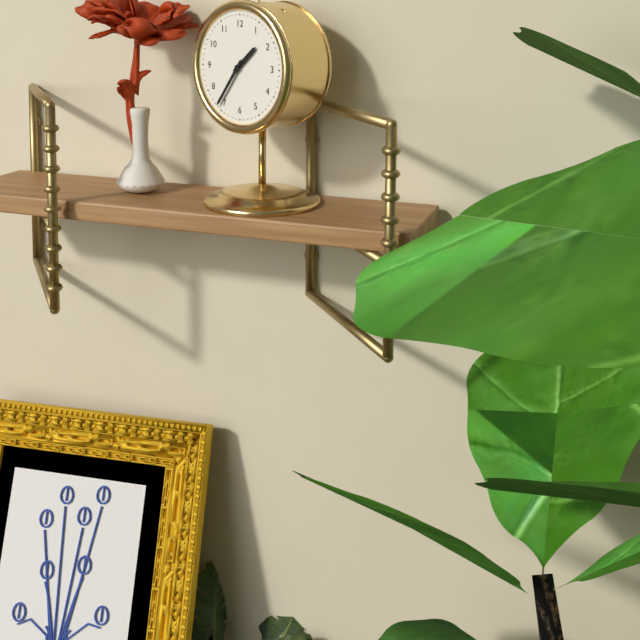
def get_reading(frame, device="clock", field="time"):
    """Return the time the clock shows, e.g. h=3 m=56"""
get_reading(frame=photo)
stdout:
h=1 m=36
